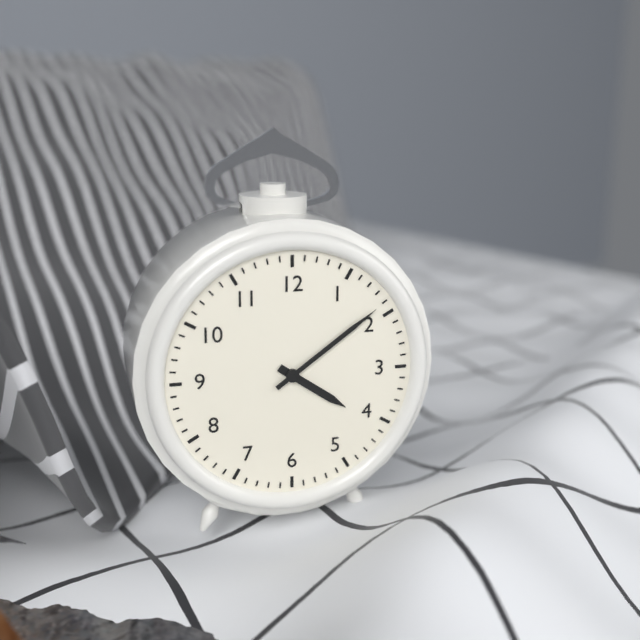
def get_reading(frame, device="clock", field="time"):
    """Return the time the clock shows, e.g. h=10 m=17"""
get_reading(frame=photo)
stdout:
h=4 m=9
